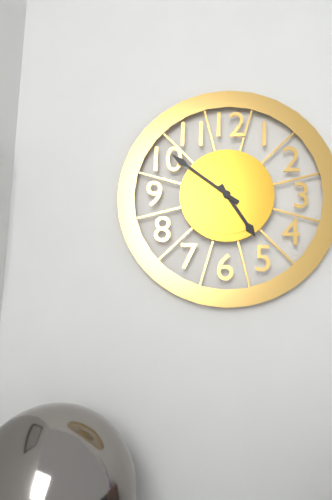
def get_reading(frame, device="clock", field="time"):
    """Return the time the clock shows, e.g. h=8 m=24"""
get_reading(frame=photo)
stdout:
h=4 m=51
